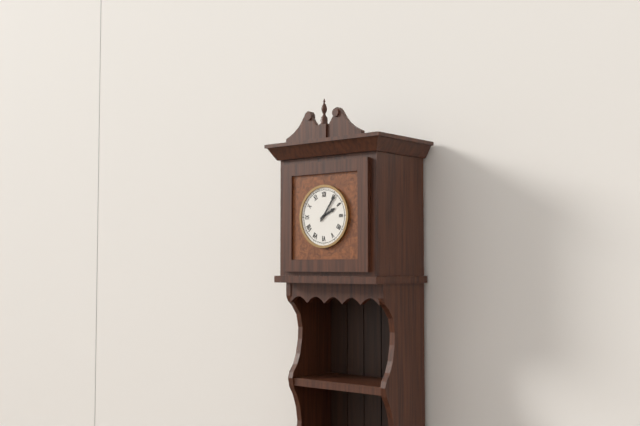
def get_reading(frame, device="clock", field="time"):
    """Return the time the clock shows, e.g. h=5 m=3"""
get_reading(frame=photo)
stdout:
h=2 m=6
